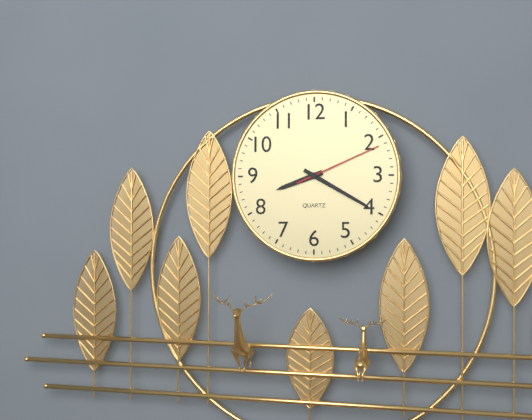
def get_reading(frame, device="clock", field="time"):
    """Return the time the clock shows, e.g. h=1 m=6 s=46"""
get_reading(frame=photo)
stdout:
h=8 m=20 s=11
